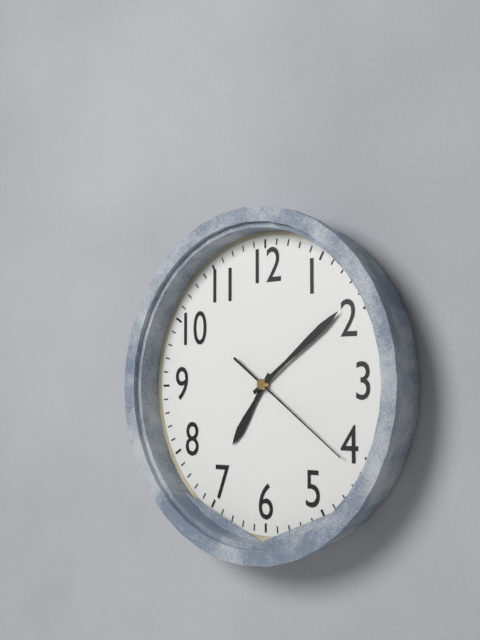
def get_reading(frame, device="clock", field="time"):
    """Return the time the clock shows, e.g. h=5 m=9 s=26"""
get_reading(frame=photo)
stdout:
h=7 m=9 s=21
